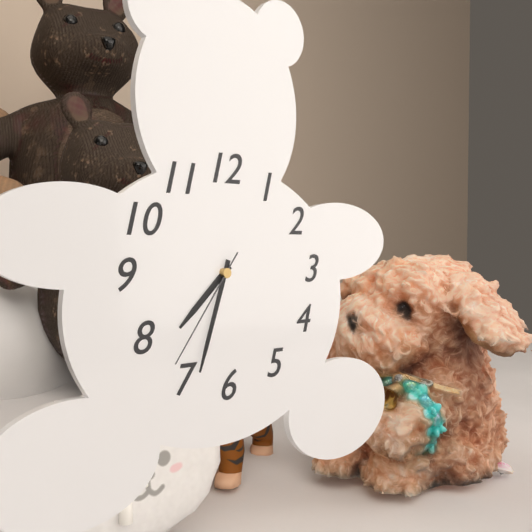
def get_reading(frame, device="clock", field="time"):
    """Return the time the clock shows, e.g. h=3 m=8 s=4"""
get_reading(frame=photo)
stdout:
h=7 m=33 s=36
